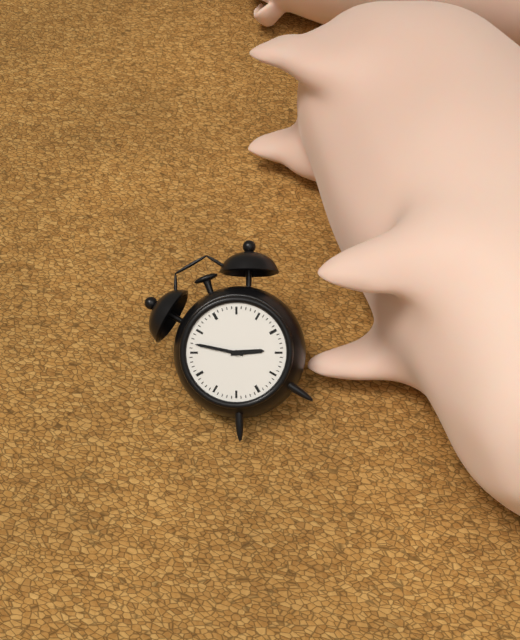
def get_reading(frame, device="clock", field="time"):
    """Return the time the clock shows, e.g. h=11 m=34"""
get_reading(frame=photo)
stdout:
h=3 m=52
